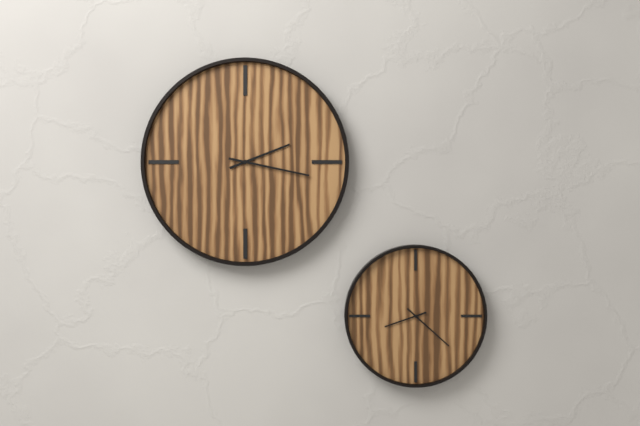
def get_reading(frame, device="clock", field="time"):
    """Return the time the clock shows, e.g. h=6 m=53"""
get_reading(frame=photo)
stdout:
h=2 m=17
